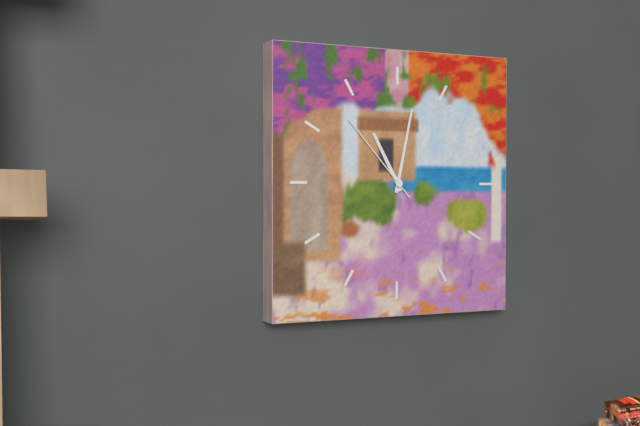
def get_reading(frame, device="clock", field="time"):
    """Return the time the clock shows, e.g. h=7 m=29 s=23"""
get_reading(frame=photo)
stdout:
h=11 m=2 s=53
